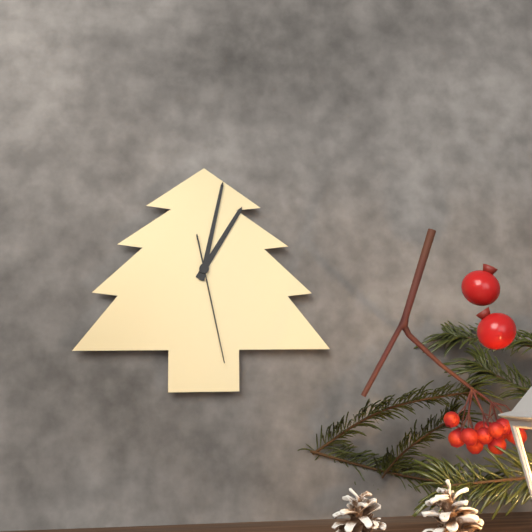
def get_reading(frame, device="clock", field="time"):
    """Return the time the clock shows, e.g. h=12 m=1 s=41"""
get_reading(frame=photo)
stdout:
h=1 m=2 s=28
